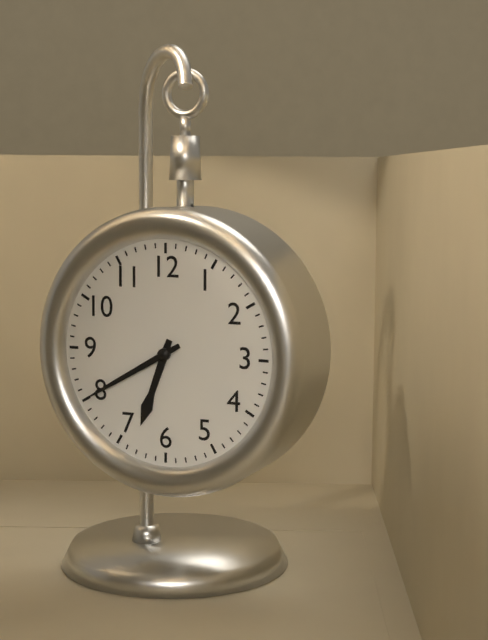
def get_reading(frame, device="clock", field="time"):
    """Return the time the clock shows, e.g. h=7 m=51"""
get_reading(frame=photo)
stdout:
h=6 m=40
